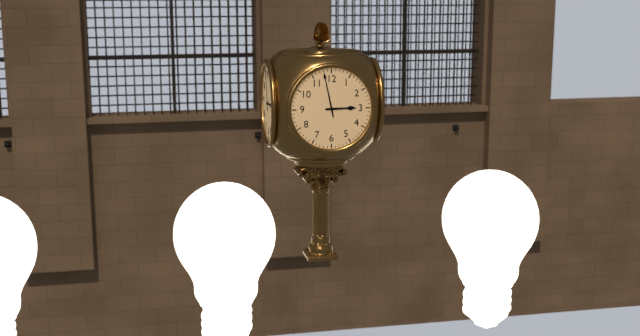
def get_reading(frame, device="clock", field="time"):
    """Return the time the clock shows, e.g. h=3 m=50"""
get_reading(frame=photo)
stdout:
h=2 m=58
